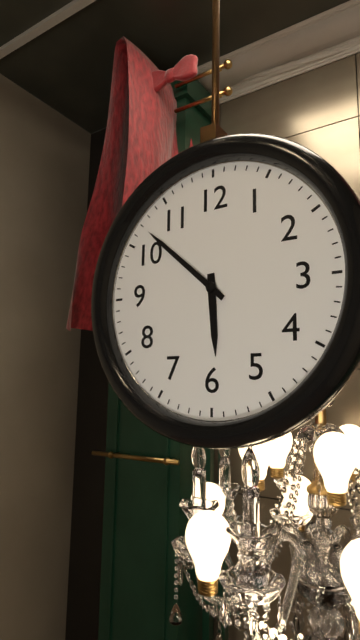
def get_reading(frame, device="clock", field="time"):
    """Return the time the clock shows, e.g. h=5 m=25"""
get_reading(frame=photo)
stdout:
h=5 m=52
